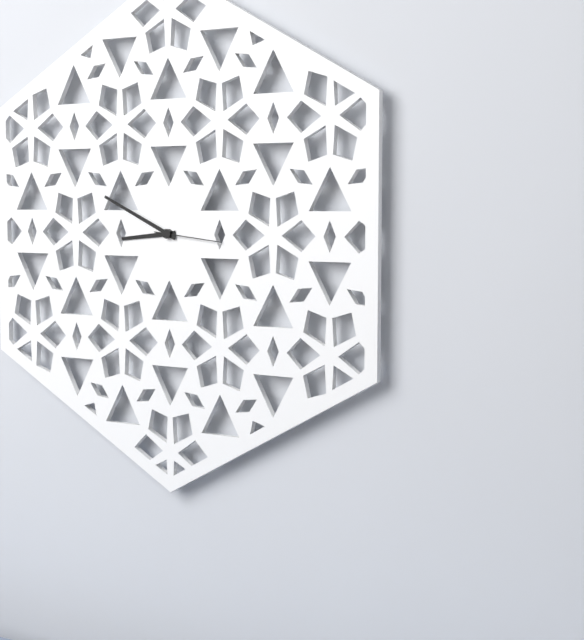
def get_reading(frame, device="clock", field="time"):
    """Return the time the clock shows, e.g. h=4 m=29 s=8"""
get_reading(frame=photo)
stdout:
h=8 m=49 s=16
